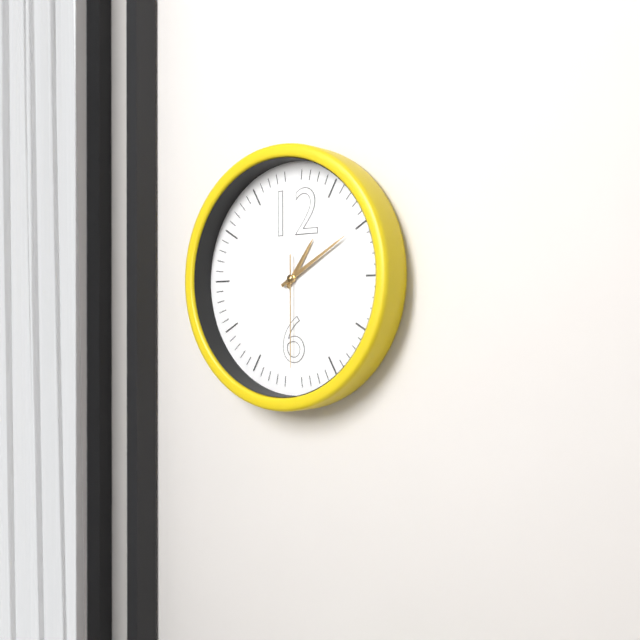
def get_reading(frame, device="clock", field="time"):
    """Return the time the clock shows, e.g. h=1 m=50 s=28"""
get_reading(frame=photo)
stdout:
h=1 m=10 s=30
